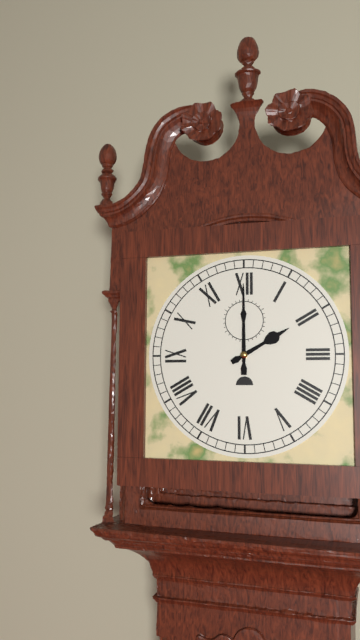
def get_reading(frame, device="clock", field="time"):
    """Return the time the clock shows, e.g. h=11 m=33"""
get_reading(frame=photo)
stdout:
h=2 m=0
